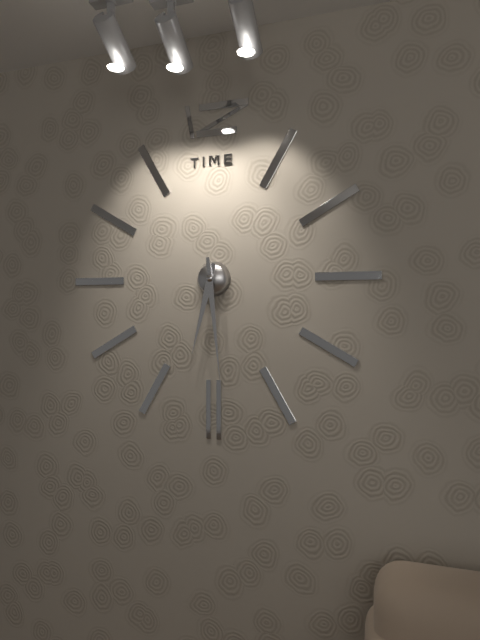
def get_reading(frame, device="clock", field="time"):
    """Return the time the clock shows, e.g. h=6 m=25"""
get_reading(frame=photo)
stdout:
h=6 m=29
